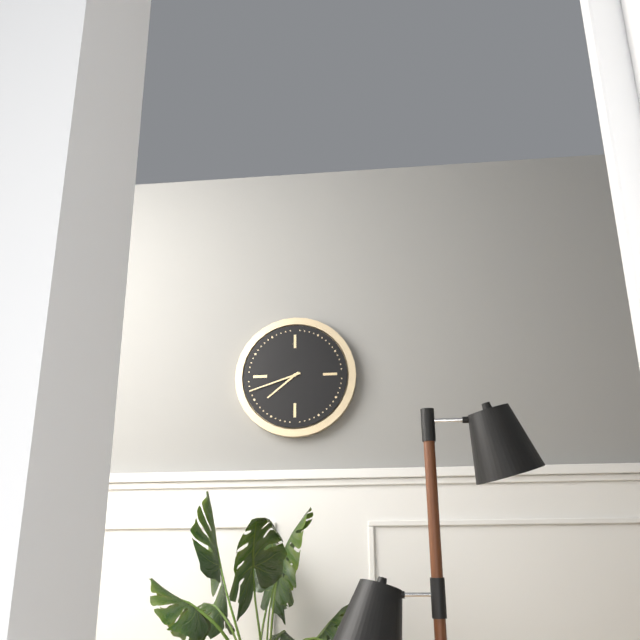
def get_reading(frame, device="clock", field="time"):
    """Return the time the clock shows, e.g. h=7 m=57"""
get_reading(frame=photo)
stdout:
h=7 m=42
